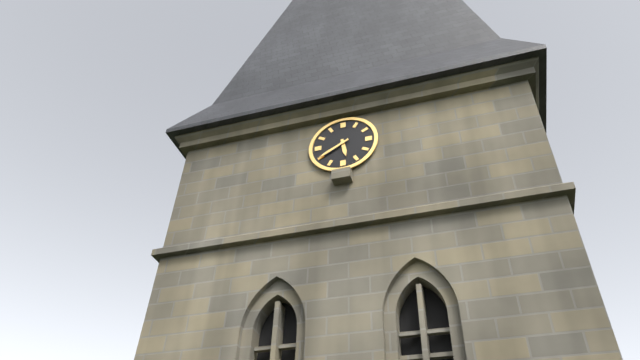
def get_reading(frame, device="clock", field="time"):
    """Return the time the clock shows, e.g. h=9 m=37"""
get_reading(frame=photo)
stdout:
h=5 m=40
